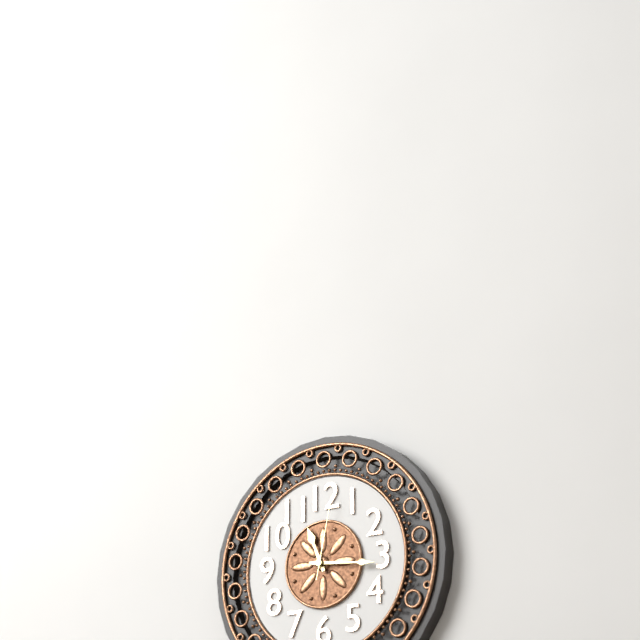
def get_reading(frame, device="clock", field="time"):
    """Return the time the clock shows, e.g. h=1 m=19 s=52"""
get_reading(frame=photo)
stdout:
h=11 m=16 s=2
